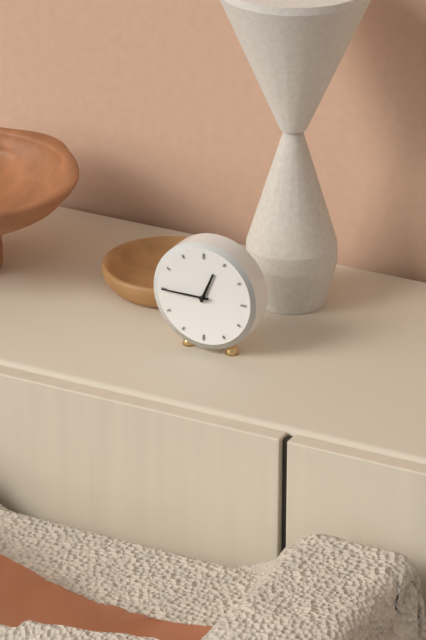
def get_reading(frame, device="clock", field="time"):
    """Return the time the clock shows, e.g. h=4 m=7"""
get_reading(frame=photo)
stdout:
h=12 m=45
